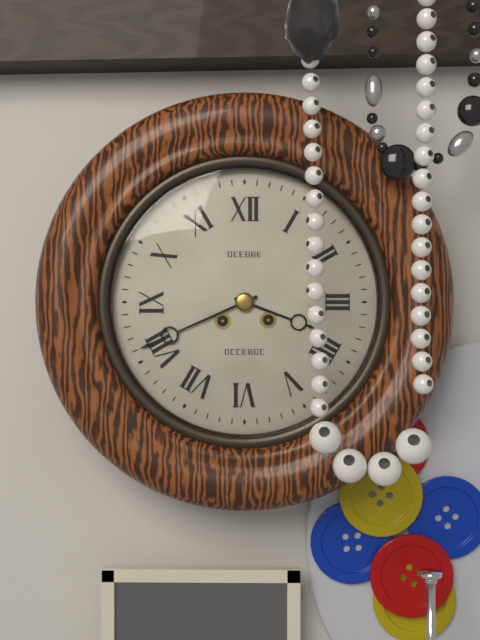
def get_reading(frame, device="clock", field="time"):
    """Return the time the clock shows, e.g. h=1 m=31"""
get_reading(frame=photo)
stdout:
h=3 m=41
